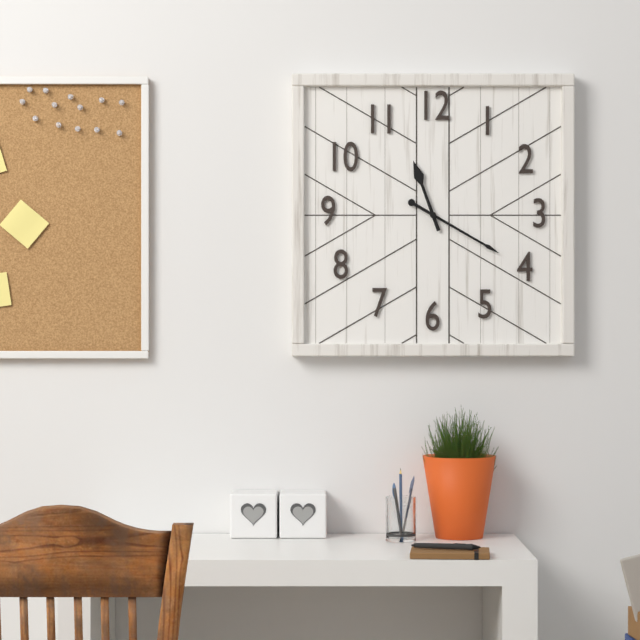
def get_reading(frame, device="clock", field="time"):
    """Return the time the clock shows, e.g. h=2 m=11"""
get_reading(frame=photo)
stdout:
h=11 m=20
